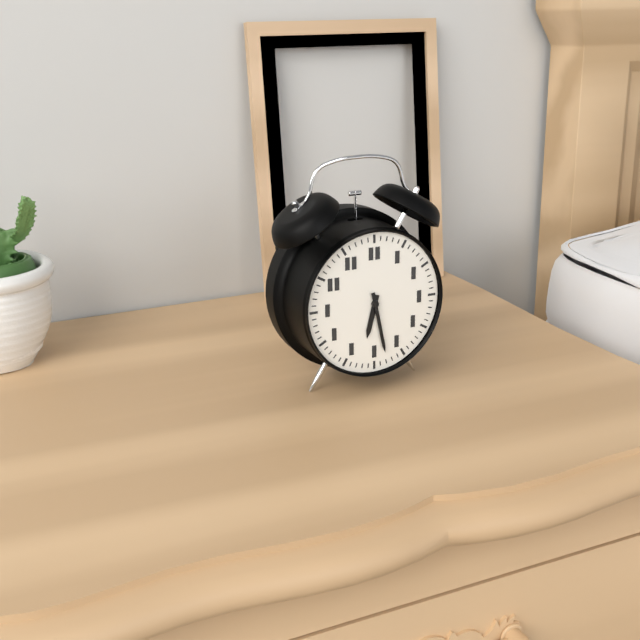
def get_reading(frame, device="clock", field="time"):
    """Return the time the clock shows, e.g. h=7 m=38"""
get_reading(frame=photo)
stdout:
h=6 m=28
